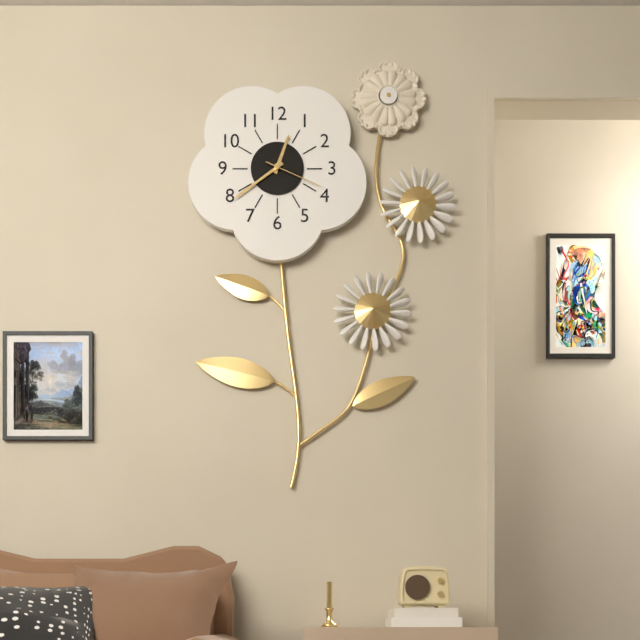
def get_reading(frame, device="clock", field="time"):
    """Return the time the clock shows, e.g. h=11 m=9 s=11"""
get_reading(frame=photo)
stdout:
h=12 m=39 s=19
